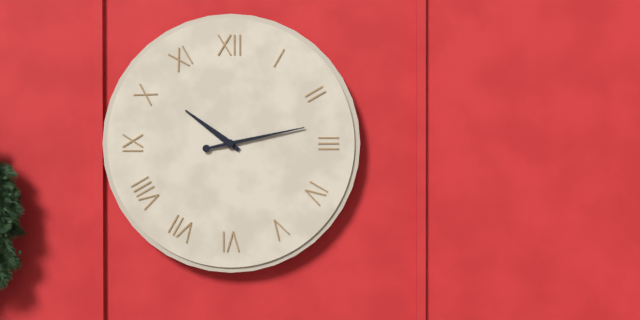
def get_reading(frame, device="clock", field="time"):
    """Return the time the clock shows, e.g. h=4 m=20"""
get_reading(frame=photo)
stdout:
h=10 m=13
